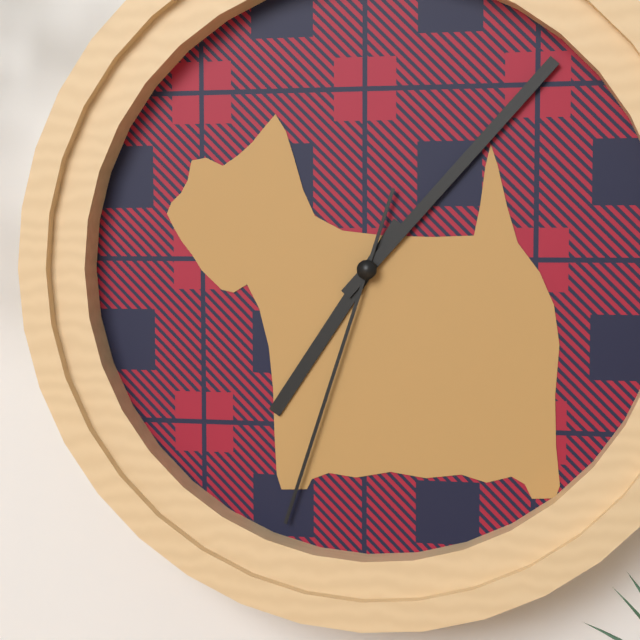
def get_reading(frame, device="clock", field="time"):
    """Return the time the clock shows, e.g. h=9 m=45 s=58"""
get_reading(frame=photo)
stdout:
h=7 m=7 s=33
